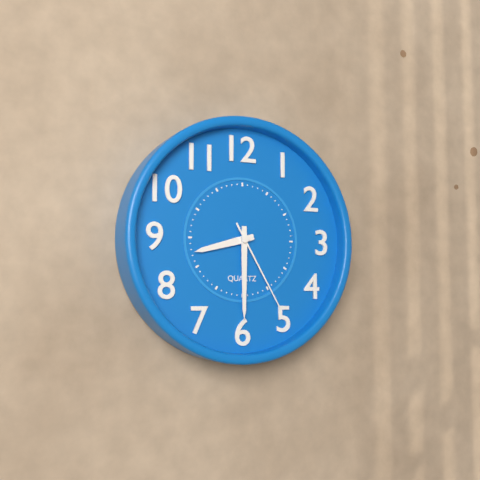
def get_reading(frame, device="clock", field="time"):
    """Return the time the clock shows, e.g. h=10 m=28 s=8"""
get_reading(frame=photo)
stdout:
h=8 m=30 s=25
